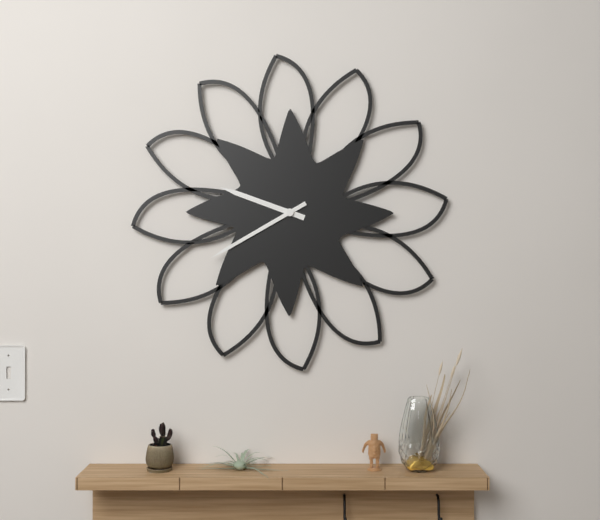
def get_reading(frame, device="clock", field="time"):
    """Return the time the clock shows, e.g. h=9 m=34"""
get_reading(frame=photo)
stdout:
h=9 m=40
